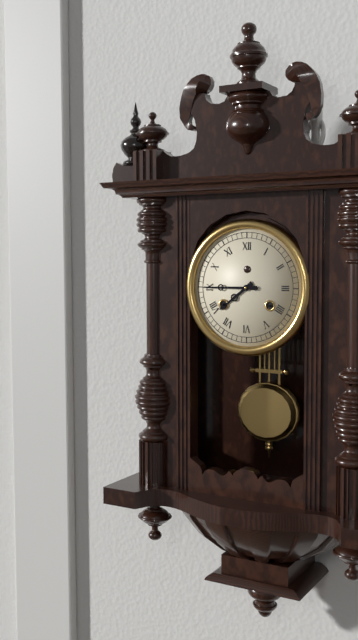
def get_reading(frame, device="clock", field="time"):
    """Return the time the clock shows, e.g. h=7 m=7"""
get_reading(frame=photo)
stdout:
h=7 m=45
